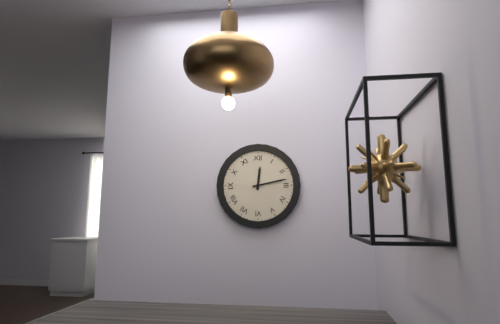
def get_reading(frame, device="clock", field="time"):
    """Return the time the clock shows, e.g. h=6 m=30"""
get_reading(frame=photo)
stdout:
h=12 m=13
